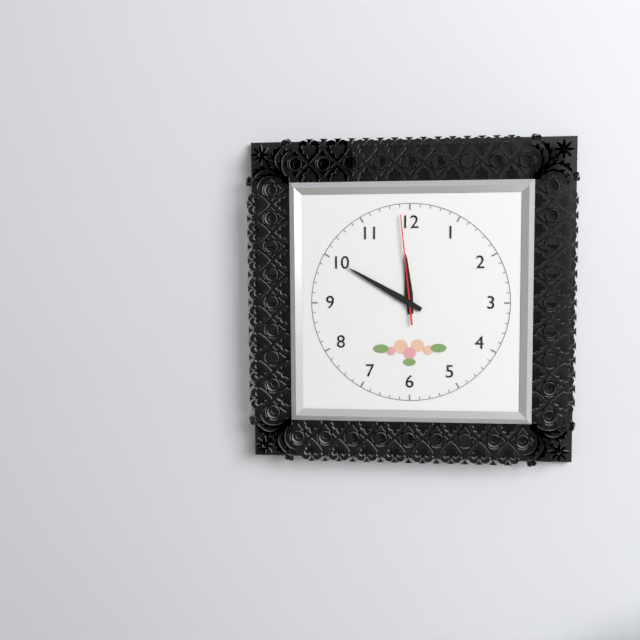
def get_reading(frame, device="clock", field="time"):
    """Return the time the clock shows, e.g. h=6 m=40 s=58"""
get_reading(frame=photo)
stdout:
h=11 m=50 s=59
